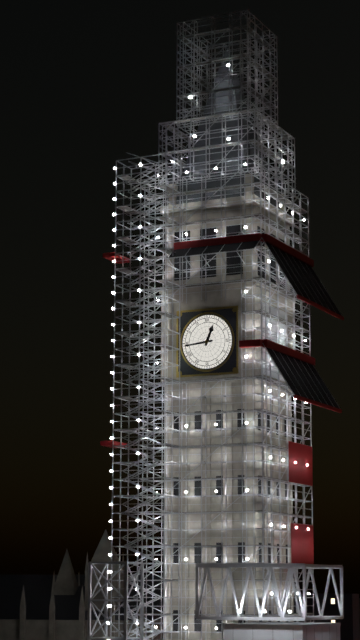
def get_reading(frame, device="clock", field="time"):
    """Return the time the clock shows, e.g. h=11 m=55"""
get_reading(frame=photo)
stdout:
h=12 m=44
